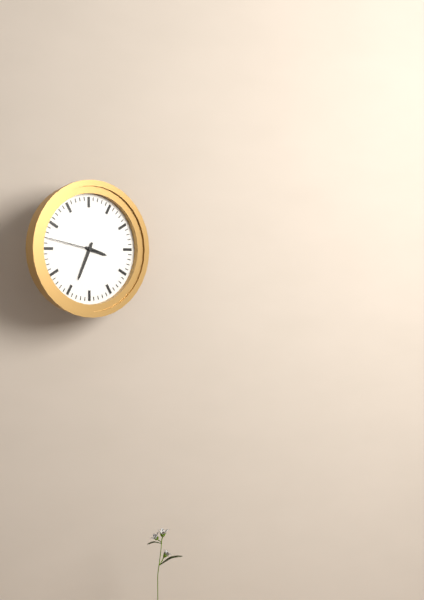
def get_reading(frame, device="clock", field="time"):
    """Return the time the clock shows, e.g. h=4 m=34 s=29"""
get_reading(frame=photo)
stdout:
h=3 m=34 s=47
